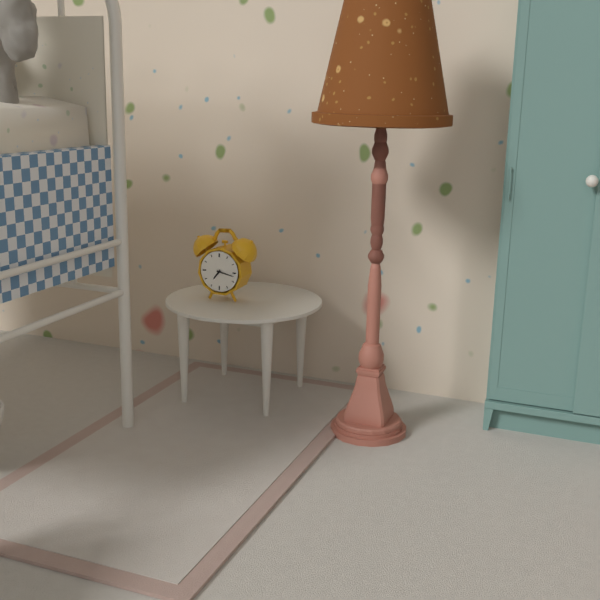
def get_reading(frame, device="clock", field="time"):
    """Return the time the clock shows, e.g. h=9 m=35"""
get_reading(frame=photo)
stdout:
h=7 m=17
